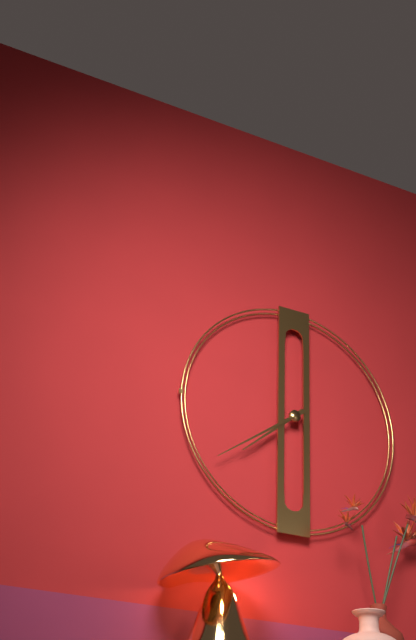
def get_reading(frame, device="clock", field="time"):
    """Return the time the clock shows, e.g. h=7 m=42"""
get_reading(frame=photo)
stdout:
h=7 m=39
